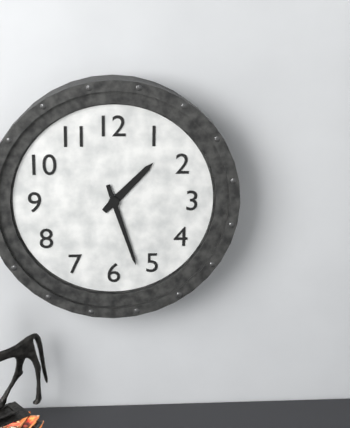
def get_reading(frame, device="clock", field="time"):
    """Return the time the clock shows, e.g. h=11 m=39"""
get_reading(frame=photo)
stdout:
h=1 m=27
